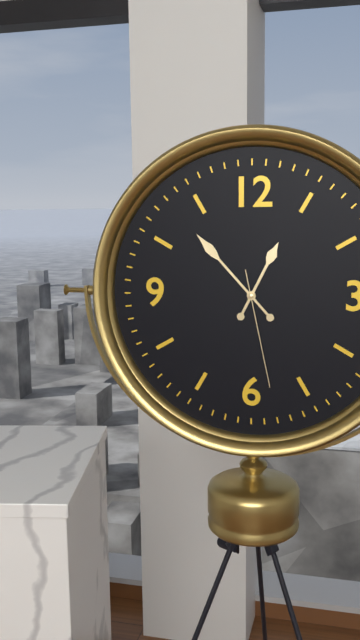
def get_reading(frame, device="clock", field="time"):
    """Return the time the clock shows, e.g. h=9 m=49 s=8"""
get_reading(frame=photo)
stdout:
h=12 m=53 s=28
